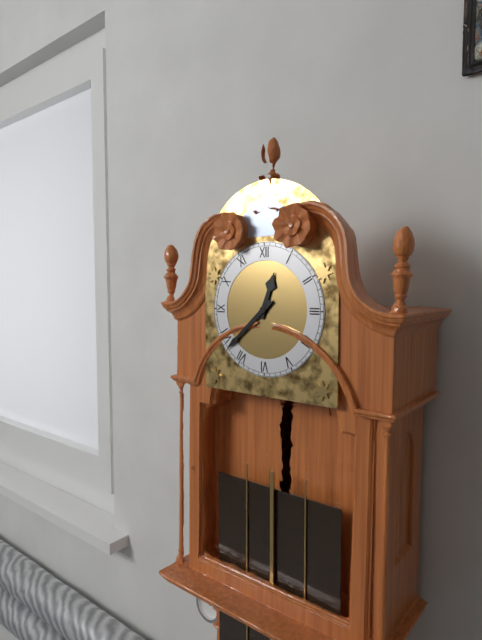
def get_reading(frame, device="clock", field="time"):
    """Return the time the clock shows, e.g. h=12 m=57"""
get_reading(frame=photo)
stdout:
h=12 m=38
